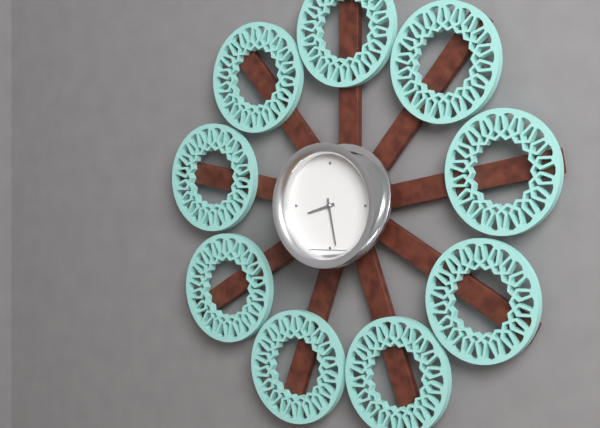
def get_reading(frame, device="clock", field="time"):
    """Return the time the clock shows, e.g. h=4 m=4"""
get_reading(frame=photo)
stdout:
h=8 m=28
